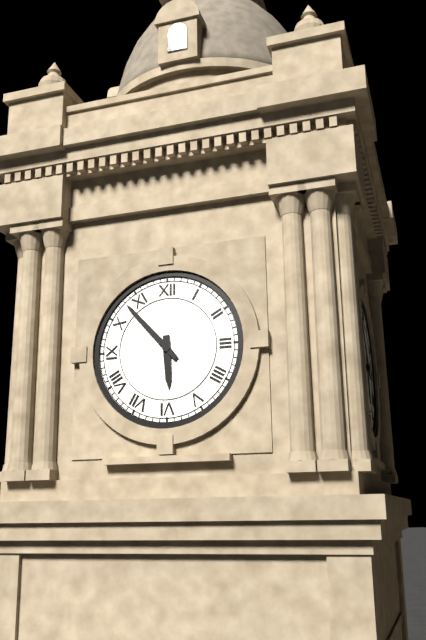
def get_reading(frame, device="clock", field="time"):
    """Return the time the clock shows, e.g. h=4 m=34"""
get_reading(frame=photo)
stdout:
h=5 m=53
